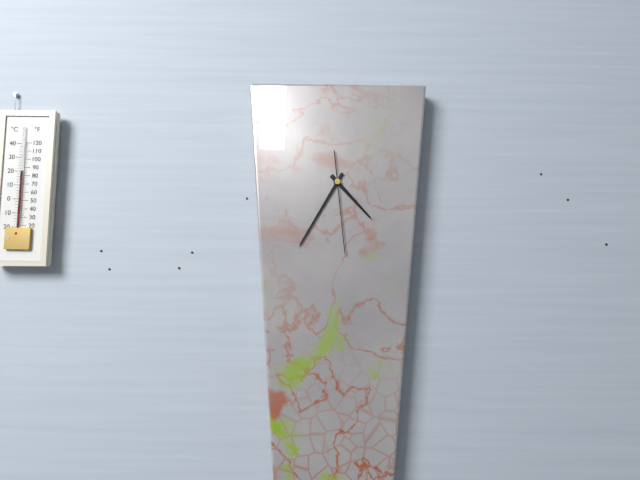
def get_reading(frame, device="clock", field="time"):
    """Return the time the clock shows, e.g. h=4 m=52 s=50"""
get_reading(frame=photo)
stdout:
h=4 m=35 s=29
